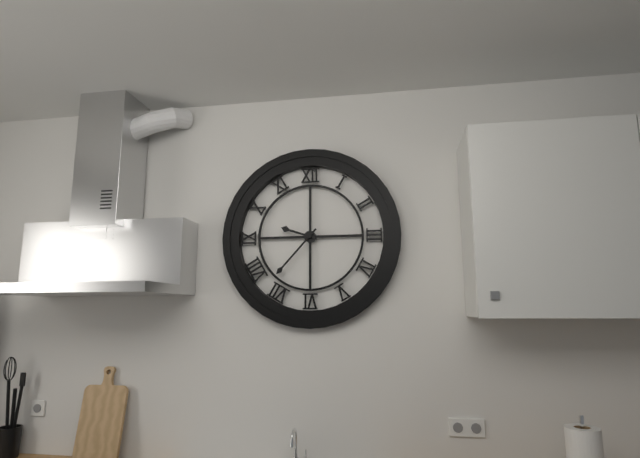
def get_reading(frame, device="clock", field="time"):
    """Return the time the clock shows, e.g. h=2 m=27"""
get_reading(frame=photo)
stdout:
h=9 m=37
